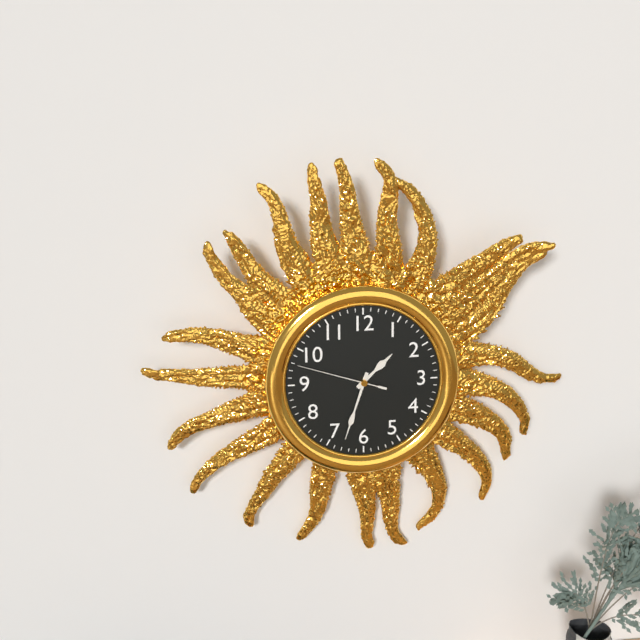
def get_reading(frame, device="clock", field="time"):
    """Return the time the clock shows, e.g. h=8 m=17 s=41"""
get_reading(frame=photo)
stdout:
h=1 m=33 s=48
